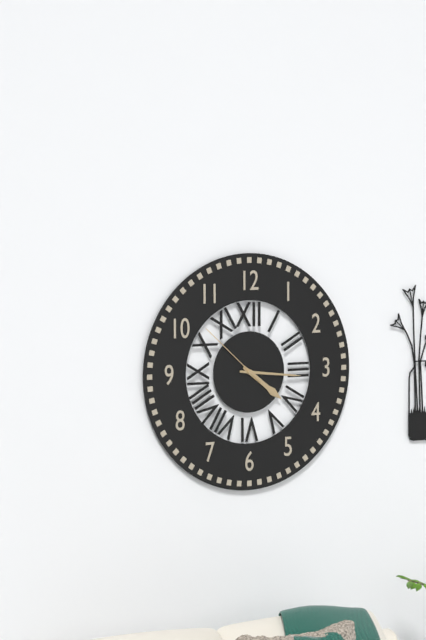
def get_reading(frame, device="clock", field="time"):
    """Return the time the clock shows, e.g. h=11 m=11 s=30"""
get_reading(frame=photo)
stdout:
h=4 m=16 s=52
